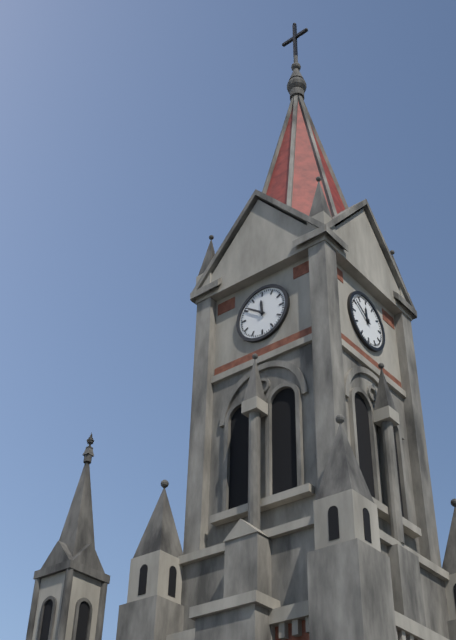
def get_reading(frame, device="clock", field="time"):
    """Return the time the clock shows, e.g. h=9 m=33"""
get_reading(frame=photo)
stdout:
h=11 m=51
